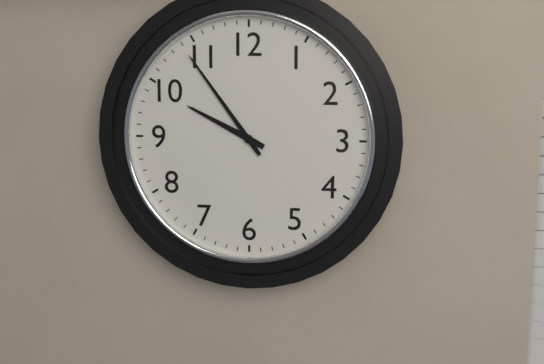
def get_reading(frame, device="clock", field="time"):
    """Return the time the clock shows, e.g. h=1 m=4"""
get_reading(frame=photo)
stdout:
h=9 m=54
